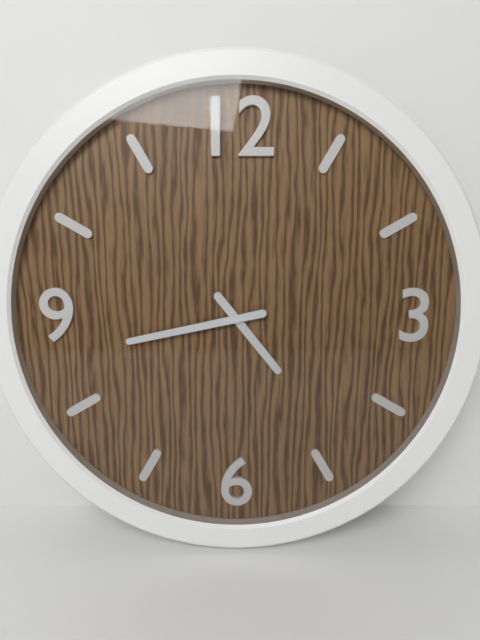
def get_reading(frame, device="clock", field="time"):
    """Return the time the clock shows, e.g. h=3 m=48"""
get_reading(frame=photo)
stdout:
h=4 m=43
